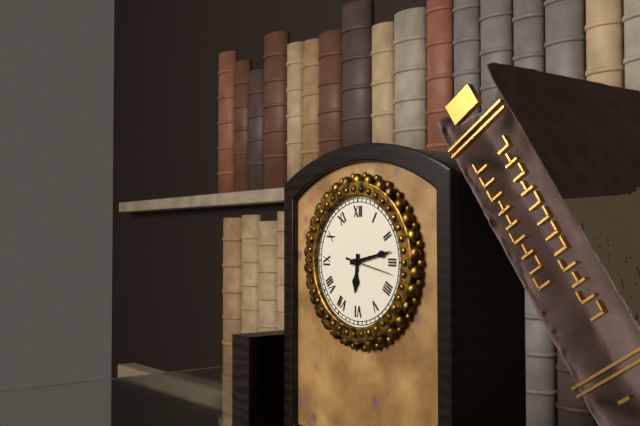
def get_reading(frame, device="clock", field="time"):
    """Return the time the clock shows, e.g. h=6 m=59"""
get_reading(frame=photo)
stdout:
h=6 m=13
